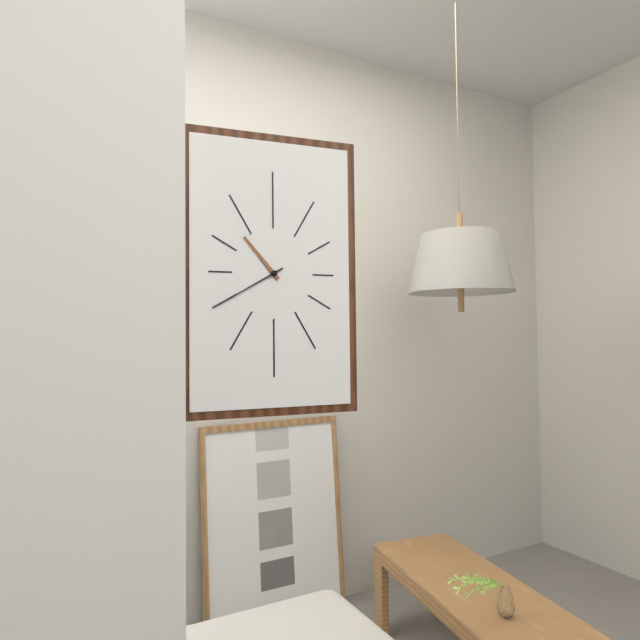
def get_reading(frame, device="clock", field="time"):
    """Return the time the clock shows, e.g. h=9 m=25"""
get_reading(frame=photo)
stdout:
h=10 m=40
